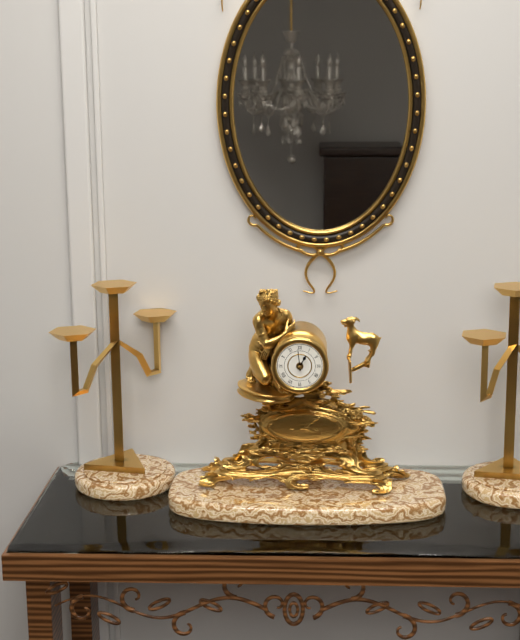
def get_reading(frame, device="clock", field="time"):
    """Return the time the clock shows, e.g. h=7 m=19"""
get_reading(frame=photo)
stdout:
h=12 m=59
